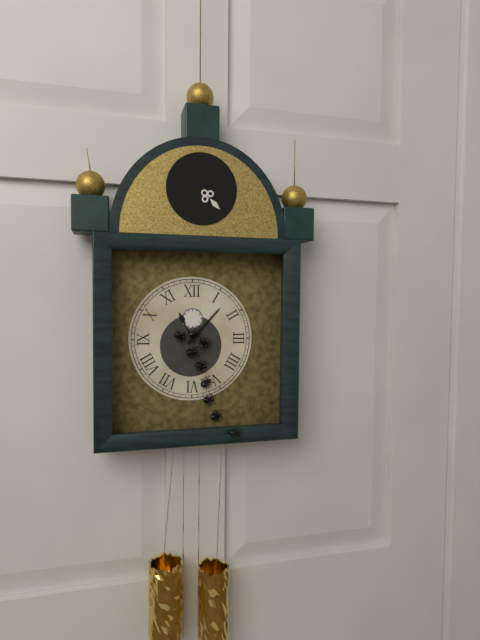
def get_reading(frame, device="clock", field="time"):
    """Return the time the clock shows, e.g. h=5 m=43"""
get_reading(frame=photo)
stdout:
h=11 m=7
